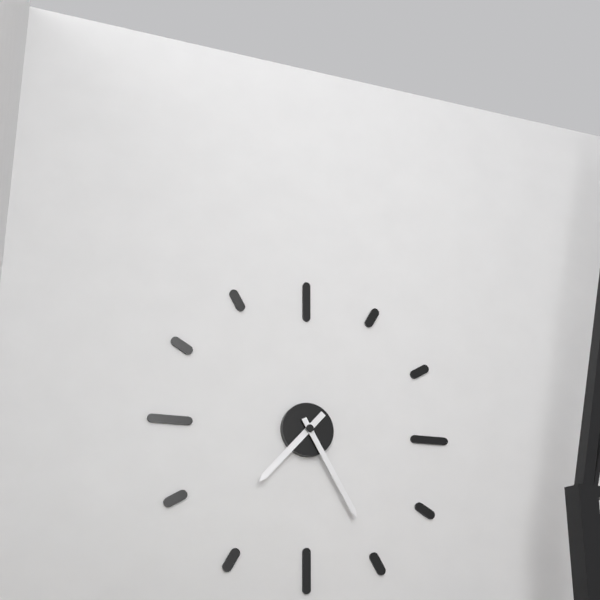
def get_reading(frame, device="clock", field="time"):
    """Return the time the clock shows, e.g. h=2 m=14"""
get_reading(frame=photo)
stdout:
h=7 m=25
